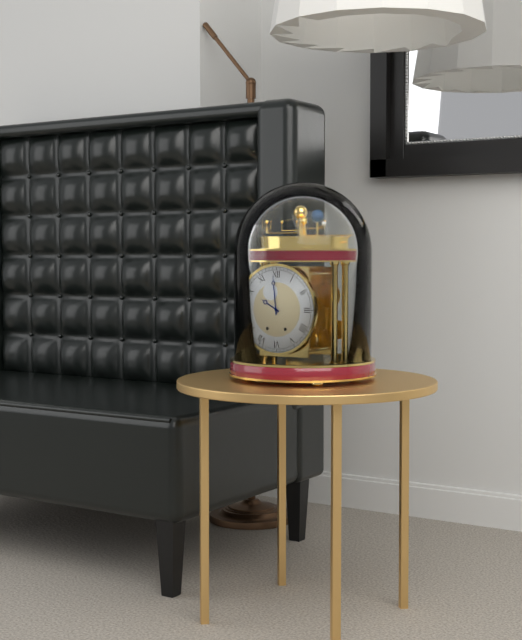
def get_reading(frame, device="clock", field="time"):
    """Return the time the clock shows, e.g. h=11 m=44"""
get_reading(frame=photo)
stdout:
h=9 m=59
